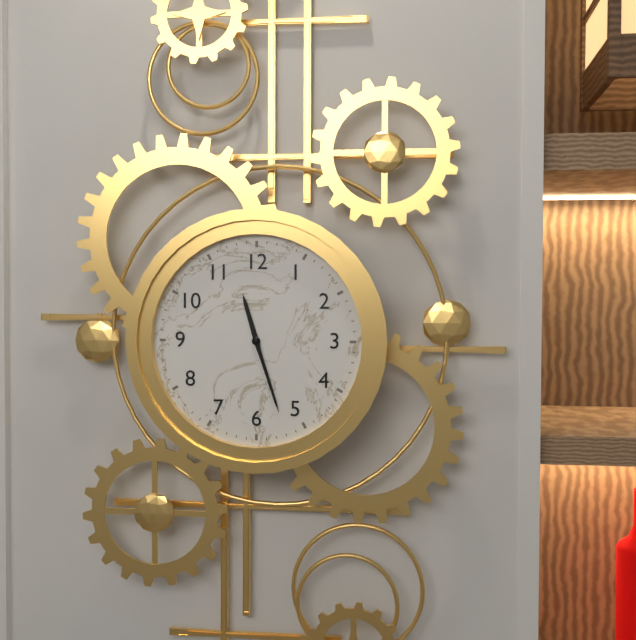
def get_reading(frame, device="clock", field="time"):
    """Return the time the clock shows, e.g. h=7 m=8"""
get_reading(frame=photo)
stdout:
h=11 m=27
